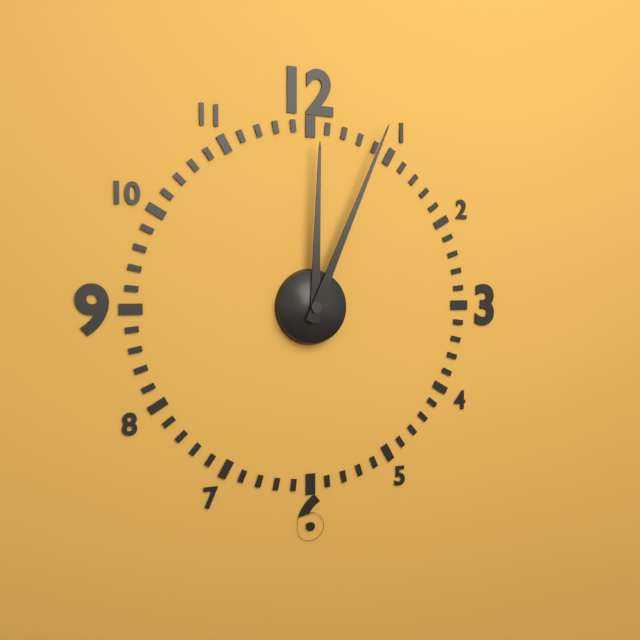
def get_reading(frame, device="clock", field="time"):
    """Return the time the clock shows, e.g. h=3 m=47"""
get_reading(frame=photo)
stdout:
h=12 m=4
